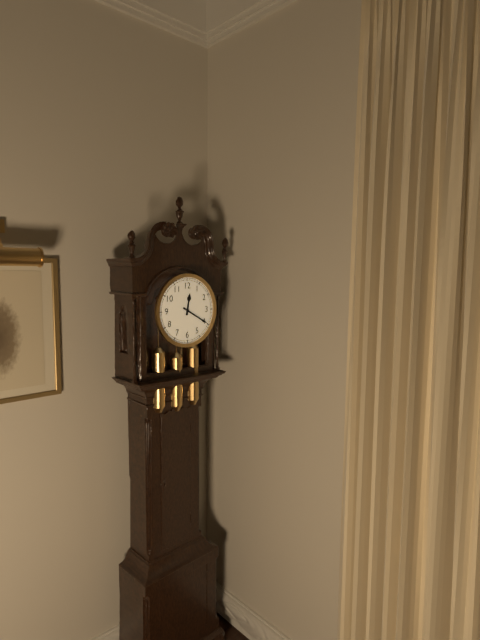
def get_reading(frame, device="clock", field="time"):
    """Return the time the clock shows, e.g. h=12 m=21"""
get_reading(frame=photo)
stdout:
h=12 m=20
